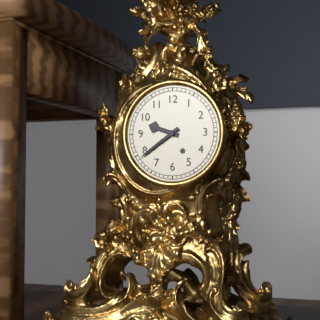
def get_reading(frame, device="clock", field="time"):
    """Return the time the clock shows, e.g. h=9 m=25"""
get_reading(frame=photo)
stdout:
h=9 m=39
